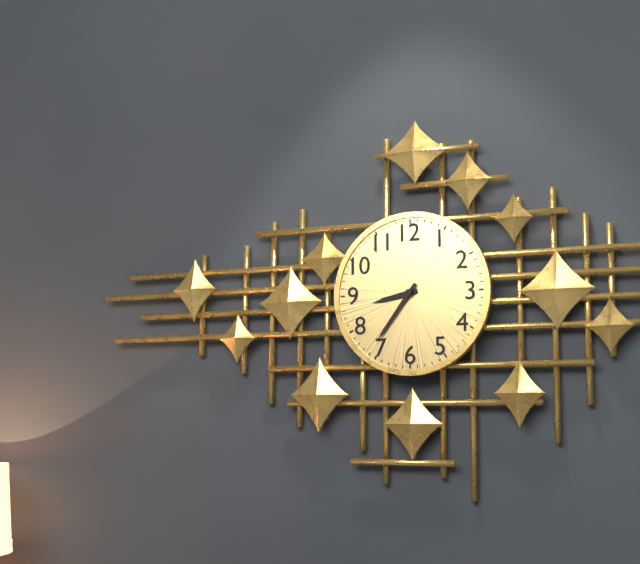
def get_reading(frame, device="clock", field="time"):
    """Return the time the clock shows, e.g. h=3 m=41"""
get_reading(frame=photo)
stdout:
h=8 m=36
